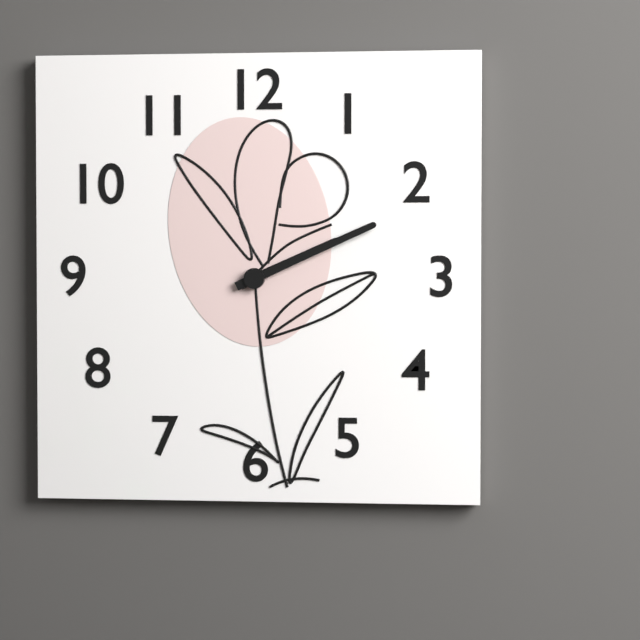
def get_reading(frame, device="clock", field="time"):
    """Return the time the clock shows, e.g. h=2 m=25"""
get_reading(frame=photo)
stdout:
h=2 m=11
